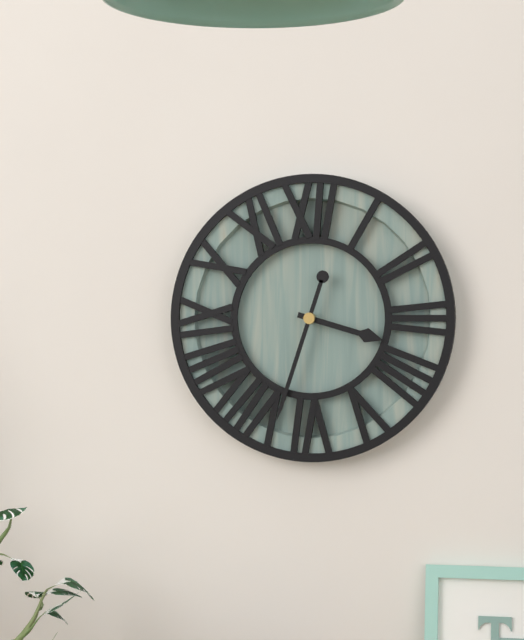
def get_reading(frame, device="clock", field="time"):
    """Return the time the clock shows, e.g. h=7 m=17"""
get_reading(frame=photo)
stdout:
h=3 m=33
